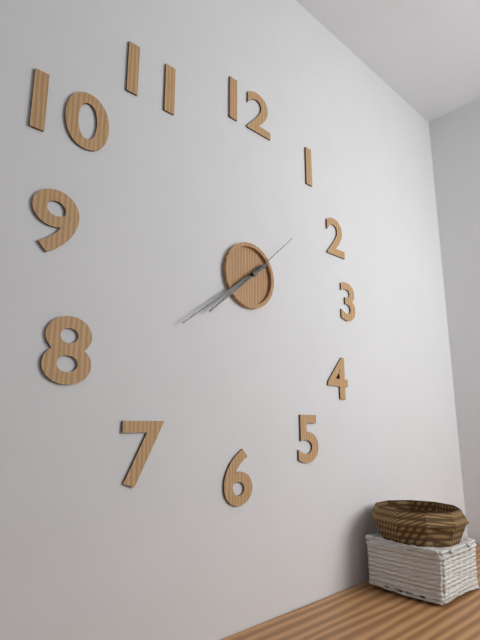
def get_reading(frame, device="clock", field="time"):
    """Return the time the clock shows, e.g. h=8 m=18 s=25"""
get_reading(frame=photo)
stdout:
h=7 m=39 s=8
